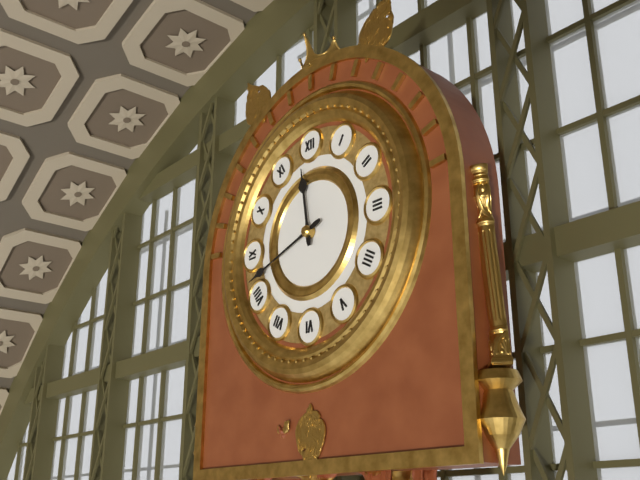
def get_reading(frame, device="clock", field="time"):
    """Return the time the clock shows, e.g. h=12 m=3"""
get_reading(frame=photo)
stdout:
h=11 m=42
